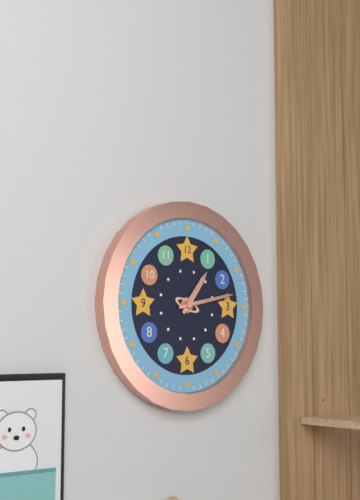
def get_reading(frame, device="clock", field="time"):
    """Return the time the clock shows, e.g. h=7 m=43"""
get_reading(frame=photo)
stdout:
h=1 m=13
